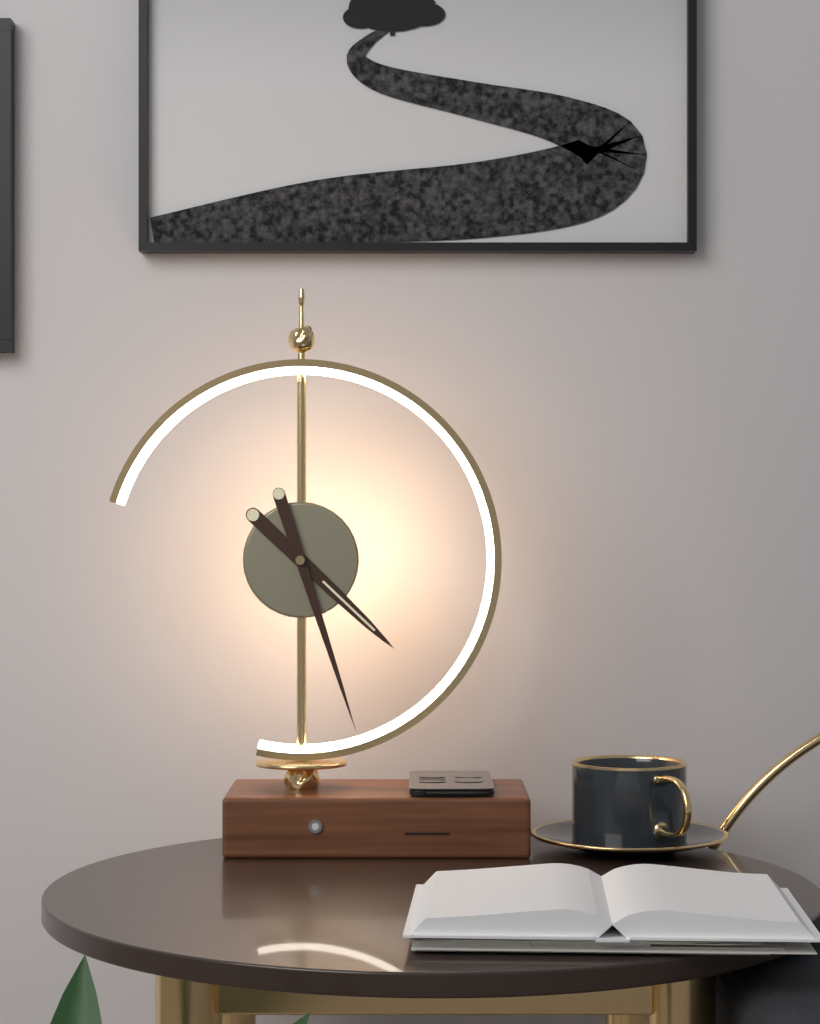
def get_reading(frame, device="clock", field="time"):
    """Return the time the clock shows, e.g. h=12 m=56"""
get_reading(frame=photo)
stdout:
h=4 m=27
